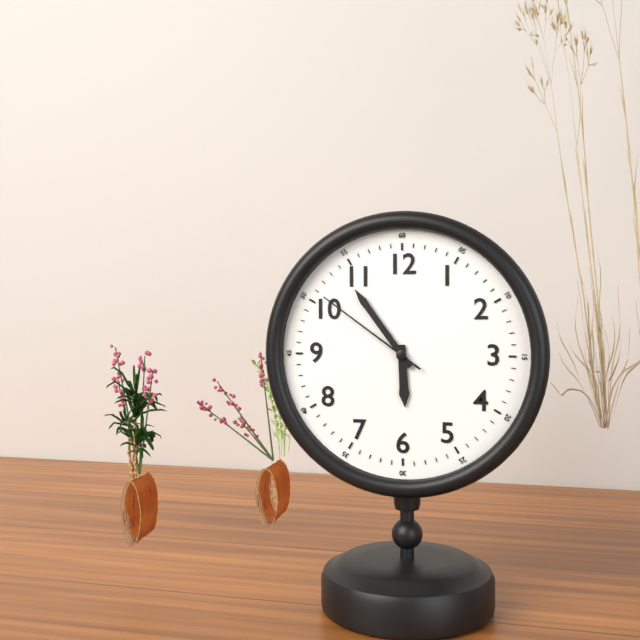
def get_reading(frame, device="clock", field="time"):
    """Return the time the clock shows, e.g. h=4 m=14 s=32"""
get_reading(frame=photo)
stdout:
h=5 m=54 s=51
